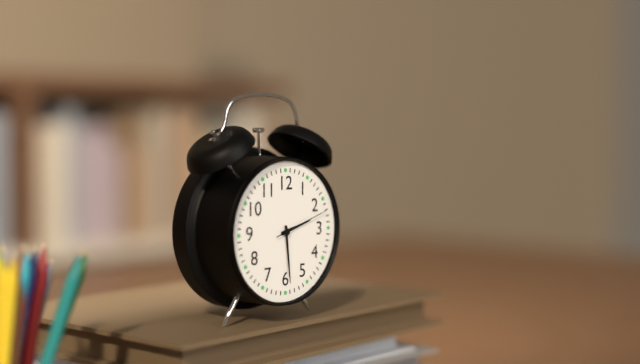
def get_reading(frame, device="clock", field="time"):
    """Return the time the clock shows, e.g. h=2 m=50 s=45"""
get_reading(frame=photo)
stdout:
h=2 m=29 s=12
